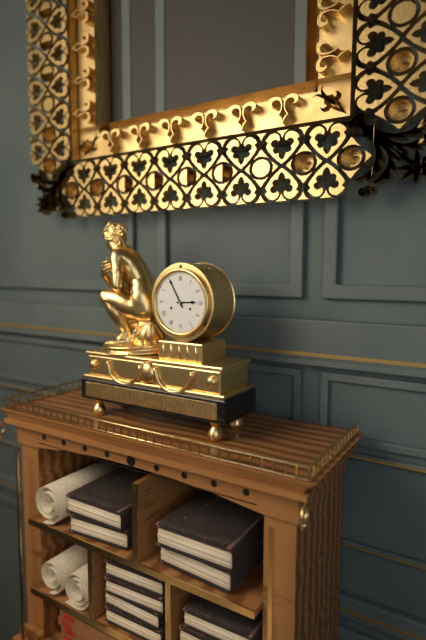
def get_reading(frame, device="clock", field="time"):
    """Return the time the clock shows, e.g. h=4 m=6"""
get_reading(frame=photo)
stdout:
h=2 m=55
